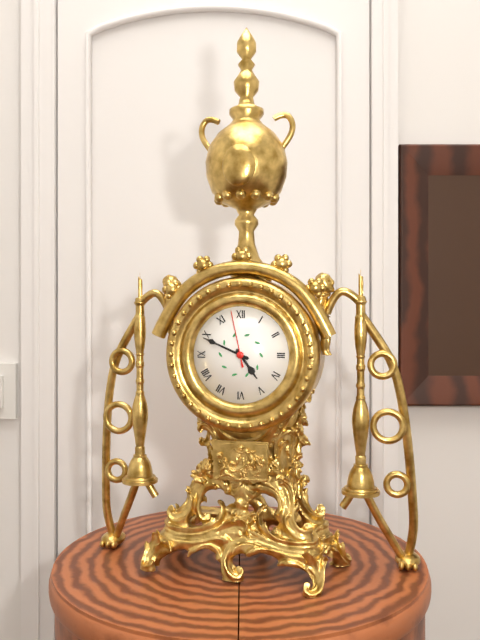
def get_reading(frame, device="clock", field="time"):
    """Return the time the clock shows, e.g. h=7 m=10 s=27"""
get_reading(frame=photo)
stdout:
h=4 m=49 s=58
